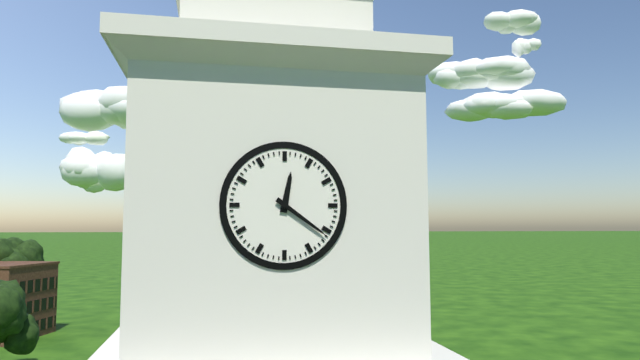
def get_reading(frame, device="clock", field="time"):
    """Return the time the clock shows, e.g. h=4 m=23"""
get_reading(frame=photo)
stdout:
h=12 m=21
